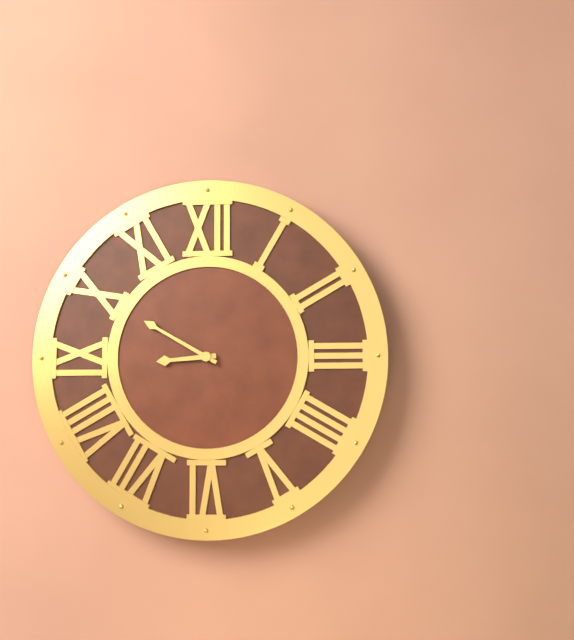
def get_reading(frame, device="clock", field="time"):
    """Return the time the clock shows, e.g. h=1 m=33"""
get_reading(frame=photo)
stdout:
h=8 m=50
